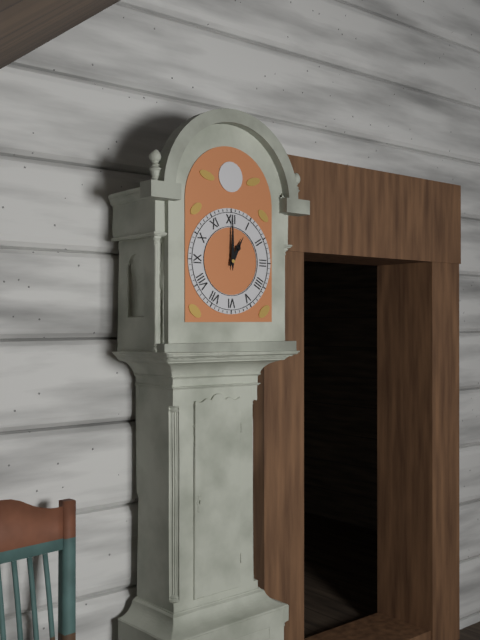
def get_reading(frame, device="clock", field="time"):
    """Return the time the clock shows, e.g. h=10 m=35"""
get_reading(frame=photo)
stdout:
h=1 m=0
